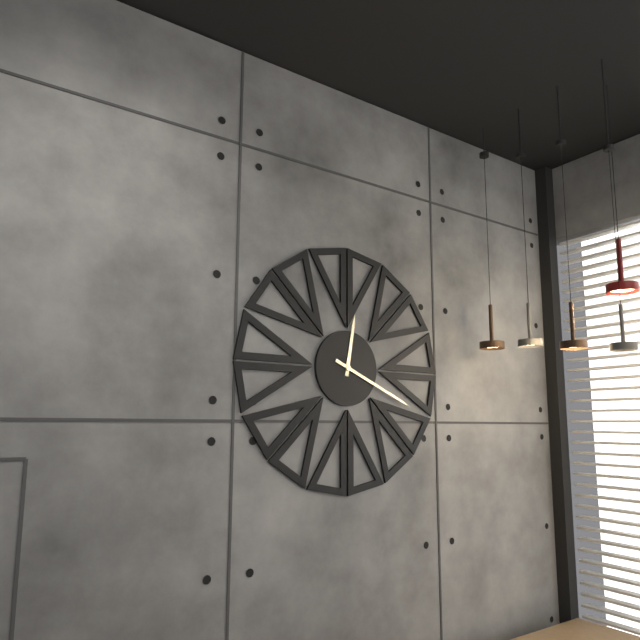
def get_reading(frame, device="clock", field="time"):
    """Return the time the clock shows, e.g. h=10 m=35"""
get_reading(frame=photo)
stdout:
h=12 m=19
